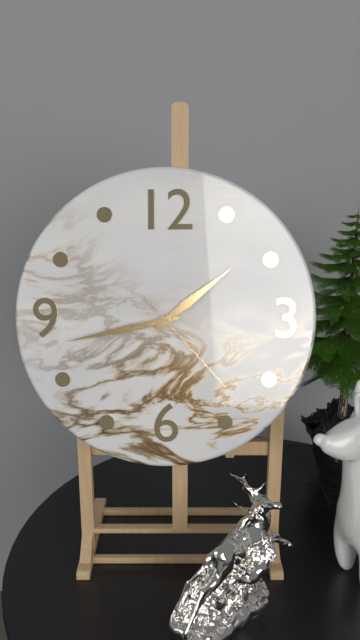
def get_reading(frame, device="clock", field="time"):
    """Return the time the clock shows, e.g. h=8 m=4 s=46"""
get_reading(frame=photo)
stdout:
h=1 m=43 s=23
